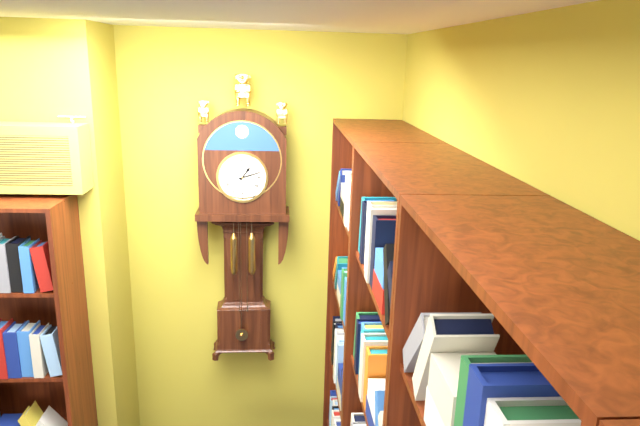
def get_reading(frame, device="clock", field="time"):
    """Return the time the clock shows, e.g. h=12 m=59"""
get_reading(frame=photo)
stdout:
h=1 m=12
